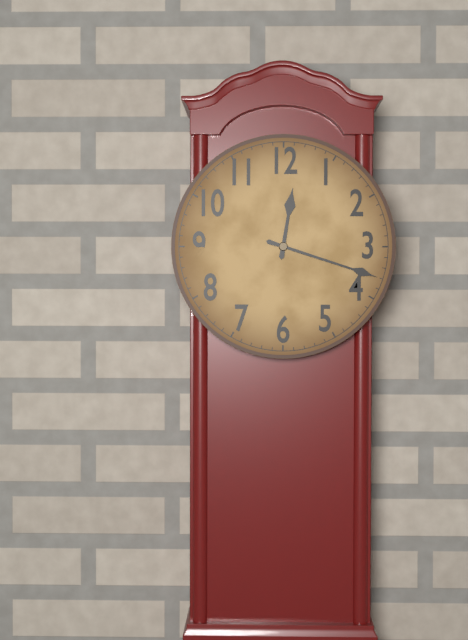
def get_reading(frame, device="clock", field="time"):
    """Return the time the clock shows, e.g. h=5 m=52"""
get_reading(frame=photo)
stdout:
h=12 m=18
